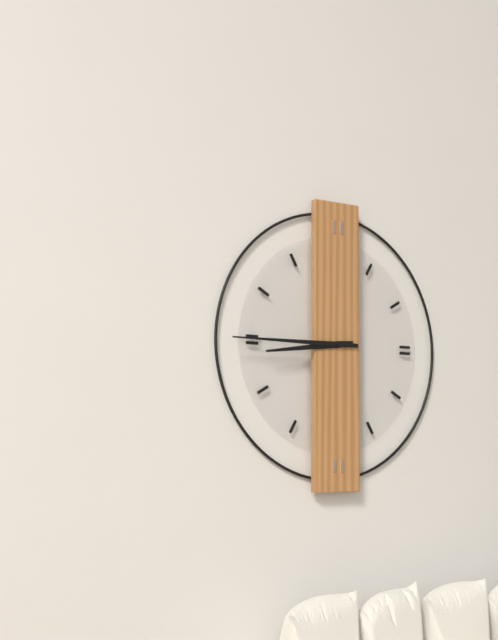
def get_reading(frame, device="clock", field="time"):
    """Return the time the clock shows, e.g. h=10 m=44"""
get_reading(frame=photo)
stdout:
h=8 m=45
